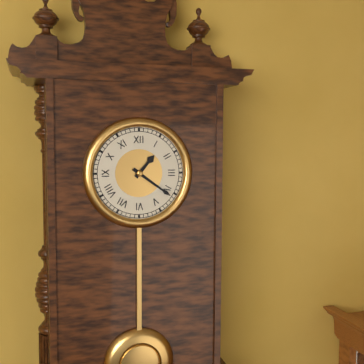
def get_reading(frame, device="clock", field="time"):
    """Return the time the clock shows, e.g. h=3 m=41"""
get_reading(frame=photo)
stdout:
h=1 m=21
